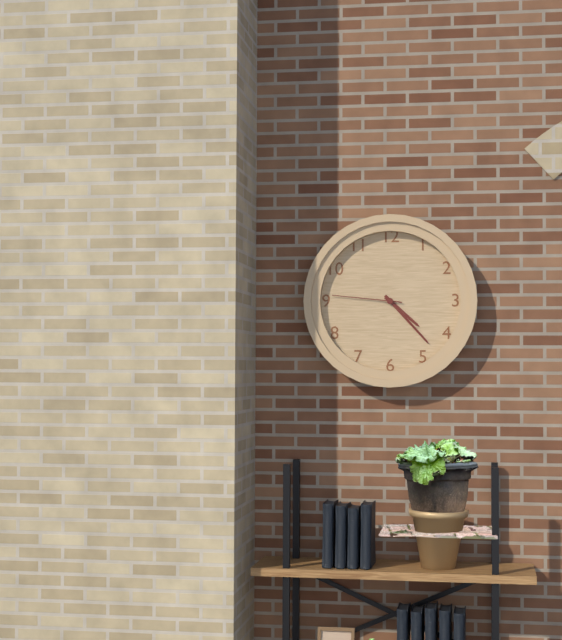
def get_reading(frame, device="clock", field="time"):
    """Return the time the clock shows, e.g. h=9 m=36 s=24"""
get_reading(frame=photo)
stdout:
h=4 m=23 s=46
